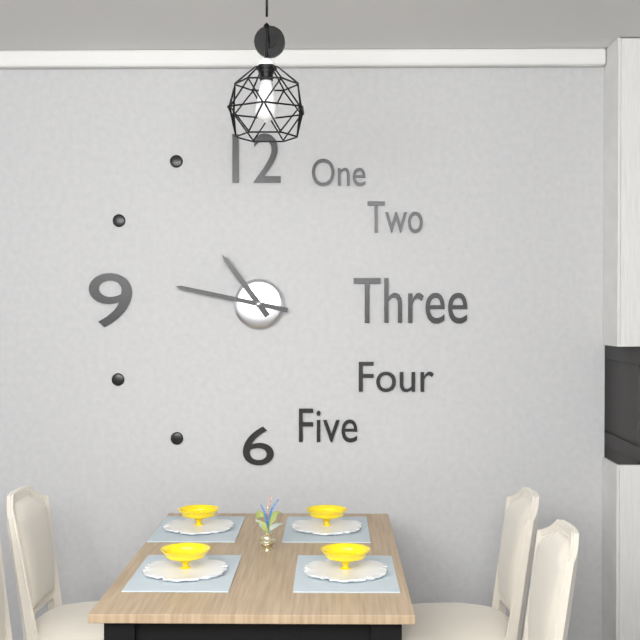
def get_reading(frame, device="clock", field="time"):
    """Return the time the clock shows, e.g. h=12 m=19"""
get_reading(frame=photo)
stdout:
h=10 m=47
